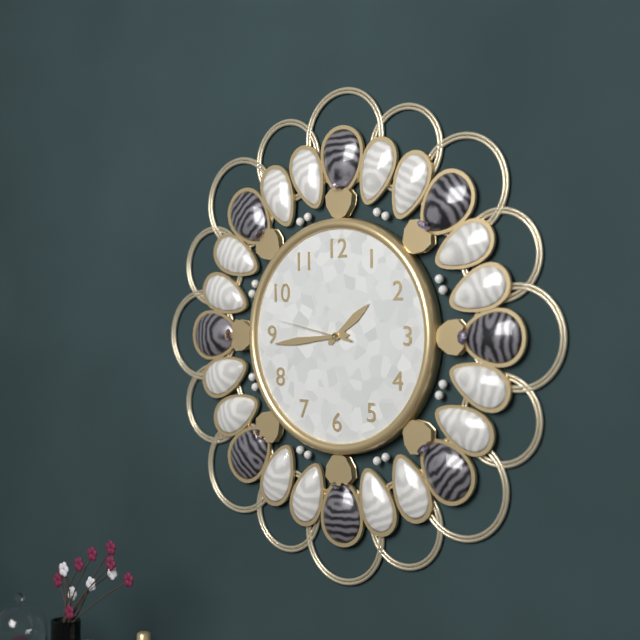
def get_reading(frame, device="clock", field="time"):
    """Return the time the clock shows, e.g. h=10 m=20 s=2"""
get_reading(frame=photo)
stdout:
h=1 m=44 s=47
